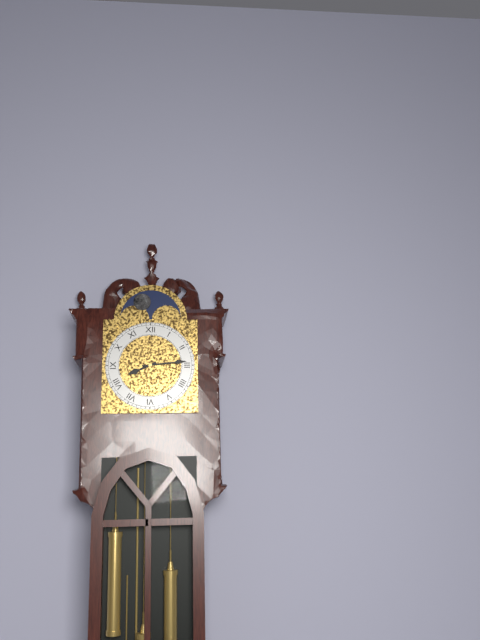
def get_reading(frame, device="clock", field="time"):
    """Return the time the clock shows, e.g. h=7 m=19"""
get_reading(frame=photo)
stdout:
h=8 m=14
